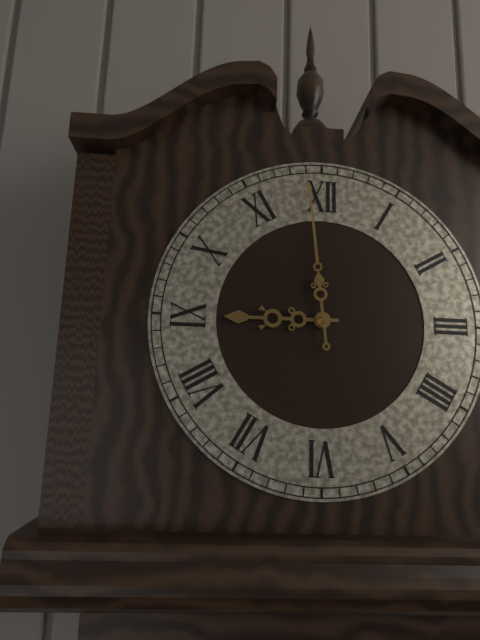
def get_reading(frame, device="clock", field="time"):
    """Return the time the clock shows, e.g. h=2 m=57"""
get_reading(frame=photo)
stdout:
h=8 m=59
